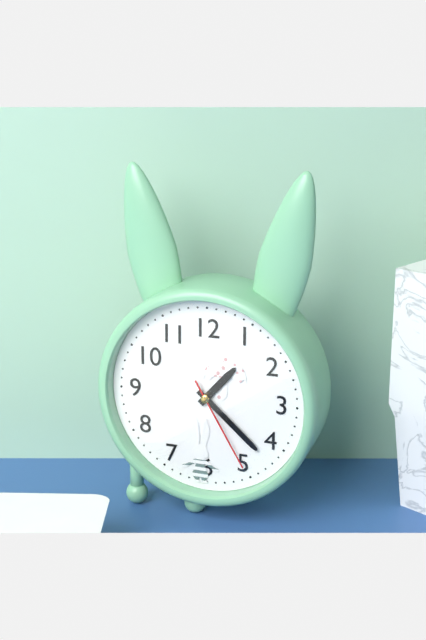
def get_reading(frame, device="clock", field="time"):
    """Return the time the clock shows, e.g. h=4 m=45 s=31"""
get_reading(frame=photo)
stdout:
h=1 m=22 s=25
